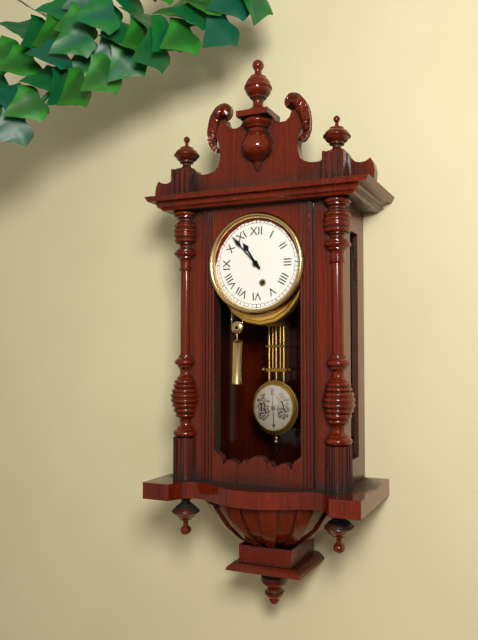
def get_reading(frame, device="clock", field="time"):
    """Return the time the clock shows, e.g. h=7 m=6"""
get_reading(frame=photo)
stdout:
h=10 m=53
